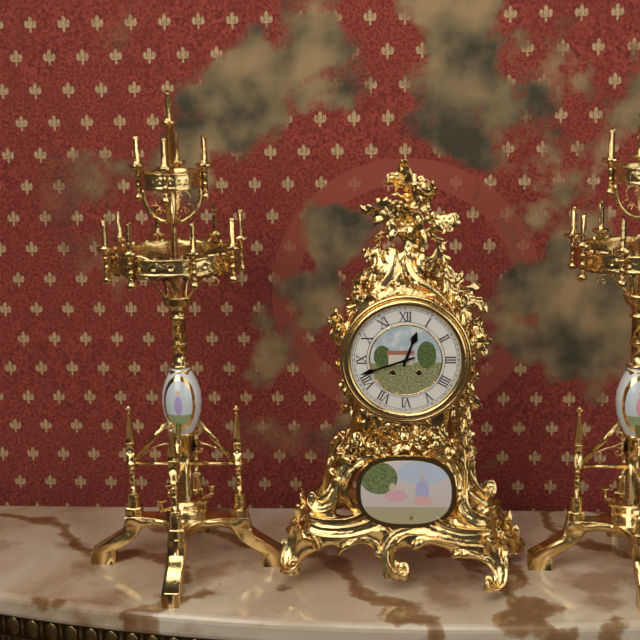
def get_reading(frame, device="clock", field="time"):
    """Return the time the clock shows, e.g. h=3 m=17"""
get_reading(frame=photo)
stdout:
h=12 m=42
